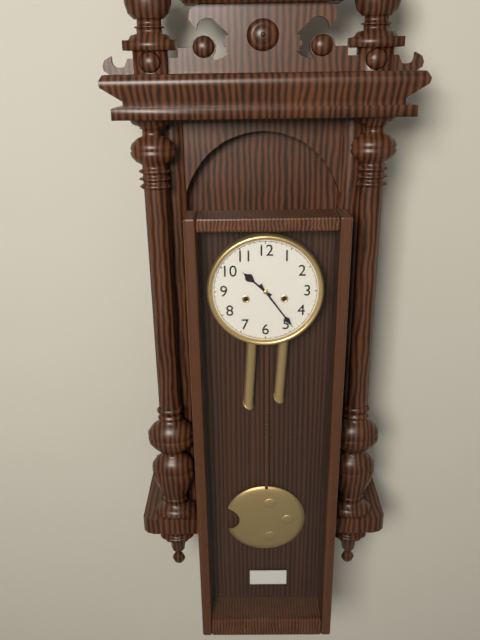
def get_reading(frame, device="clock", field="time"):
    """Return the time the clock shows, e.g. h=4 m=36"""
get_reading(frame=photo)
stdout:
h=10 m=24
